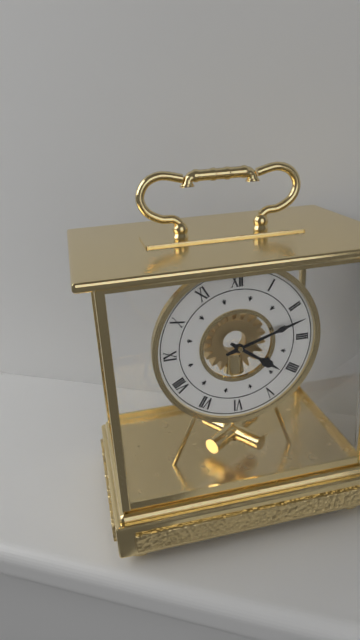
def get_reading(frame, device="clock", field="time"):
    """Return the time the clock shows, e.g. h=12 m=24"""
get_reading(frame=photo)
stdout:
h=4 m=12
